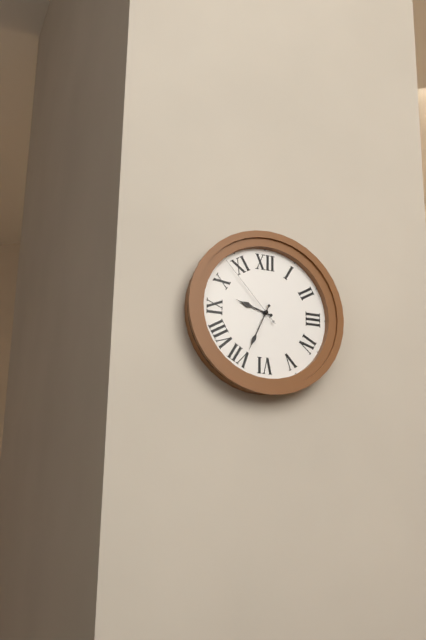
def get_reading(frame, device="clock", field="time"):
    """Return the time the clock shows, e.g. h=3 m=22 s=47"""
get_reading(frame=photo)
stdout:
h=9 m=34 s=53
